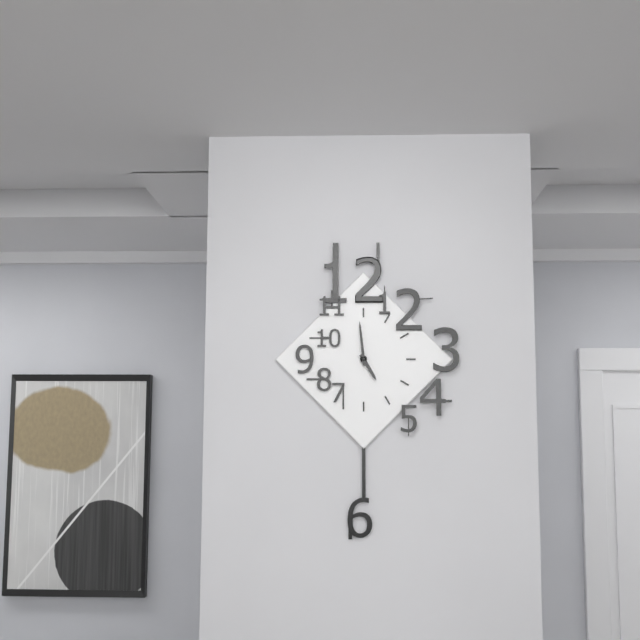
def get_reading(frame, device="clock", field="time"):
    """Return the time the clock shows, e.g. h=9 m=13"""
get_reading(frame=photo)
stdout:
h=4 m=59
